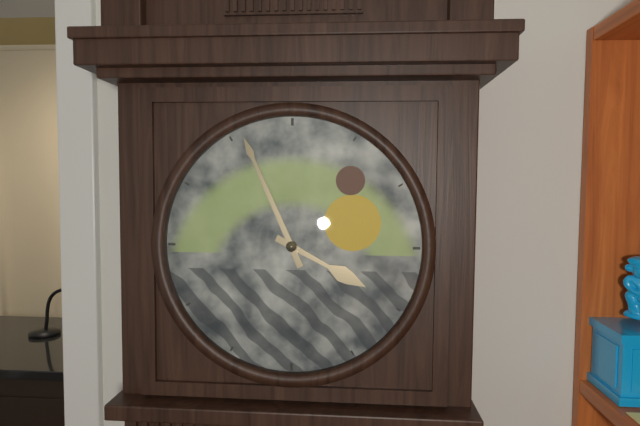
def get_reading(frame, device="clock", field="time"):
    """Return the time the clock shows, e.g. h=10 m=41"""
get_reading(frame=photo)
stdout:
h=3 m=56
